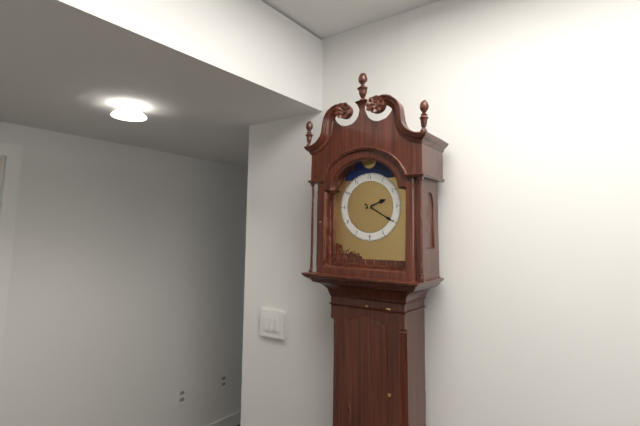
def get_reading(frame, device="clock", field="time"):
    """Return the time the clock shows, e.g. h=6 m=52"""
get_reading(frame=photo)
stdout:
h=2 m=20
